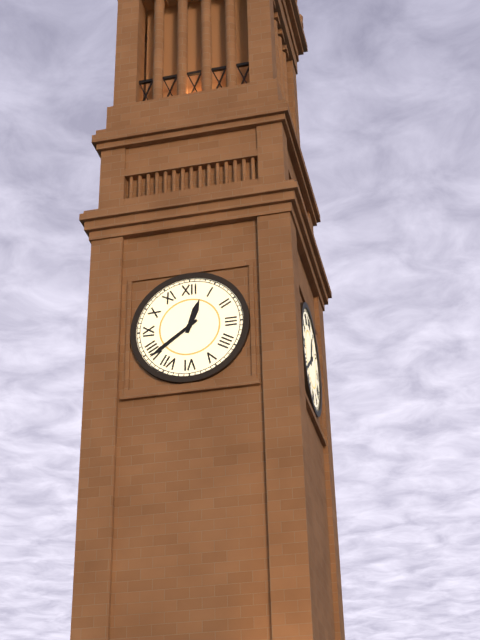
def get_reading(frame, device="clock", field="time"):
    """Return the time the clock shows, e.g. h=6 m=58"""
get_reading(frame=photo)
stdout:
h=12 m=39
